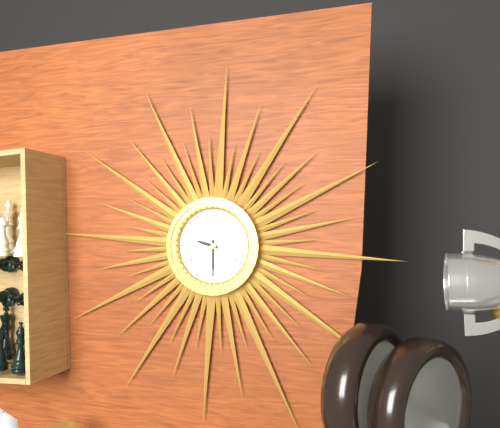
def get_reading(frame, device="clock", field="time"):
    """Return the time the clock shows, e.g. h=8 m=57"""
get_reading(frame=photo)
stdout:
h=9 m=30
